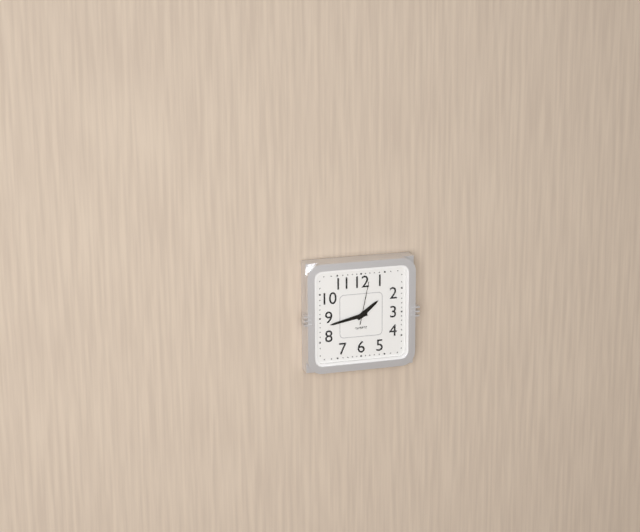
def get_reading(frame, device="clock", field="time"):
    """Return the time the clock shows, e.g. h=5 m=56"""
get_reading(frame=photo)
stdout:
h=1 m=43
